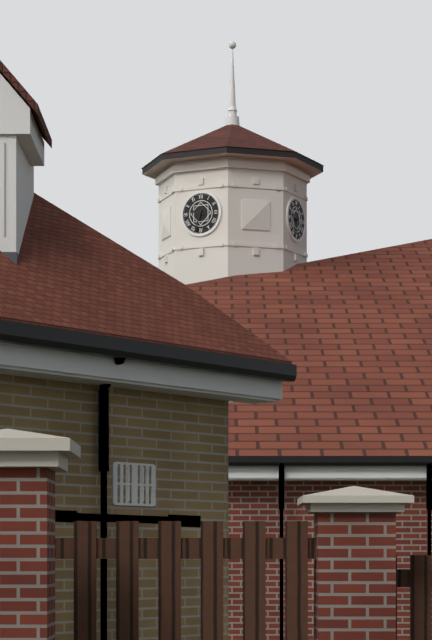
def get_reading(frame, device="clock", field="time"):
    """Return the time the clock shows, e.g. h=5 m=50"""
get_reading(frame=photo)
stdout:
h=9 m=33
